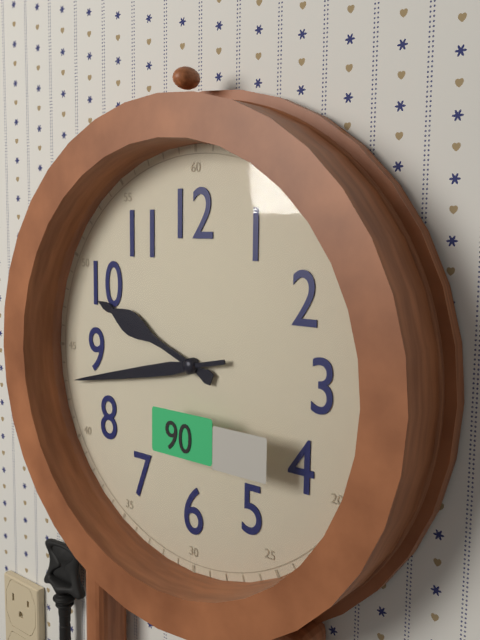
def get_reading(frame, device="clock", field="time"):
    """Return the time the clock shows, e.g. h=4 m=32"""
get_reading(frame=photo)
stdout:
h=9 m=43
